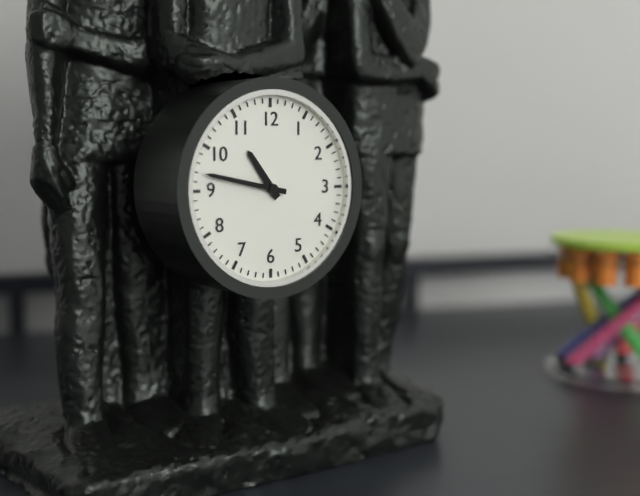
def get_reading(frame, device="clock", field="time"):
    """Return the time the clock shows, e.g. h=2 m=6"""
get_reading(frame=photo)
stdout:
h=10 m=47
